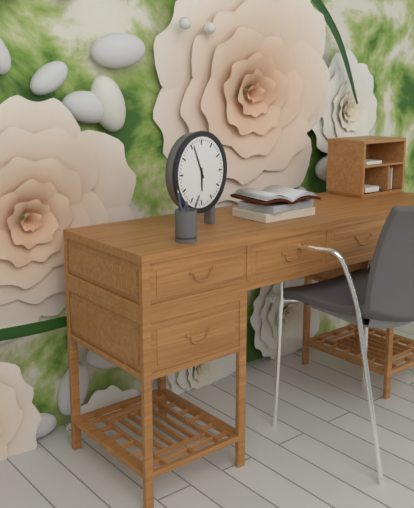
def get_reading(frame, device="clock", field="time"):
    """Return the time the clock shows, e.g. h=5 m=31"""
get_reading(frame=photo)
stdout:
h=5 m=56
